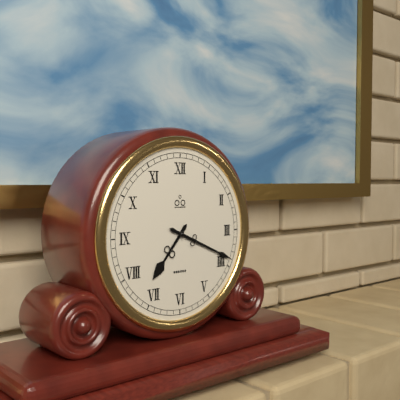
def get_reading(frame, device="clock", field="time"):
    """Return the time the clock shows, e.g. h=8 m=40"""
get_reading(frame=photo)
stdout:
h=7 m=19
